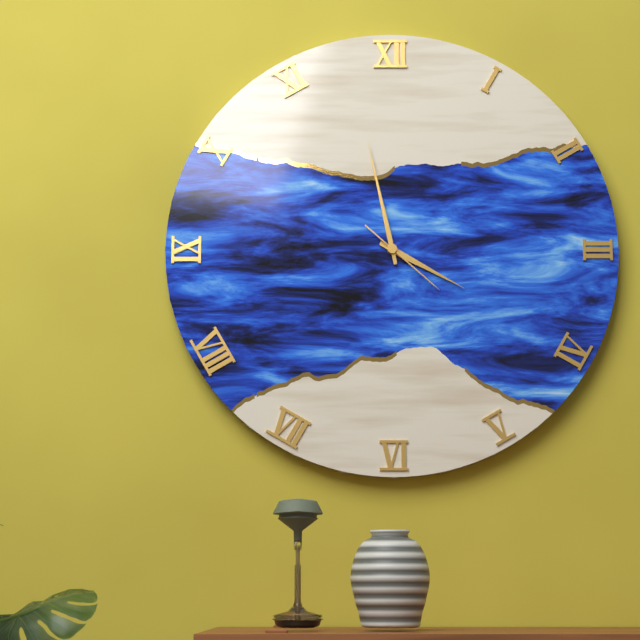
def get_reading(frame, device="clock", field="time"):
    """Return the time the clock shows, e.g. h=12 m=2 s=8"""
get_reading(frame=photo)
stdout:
h=3 m=58 s=22
